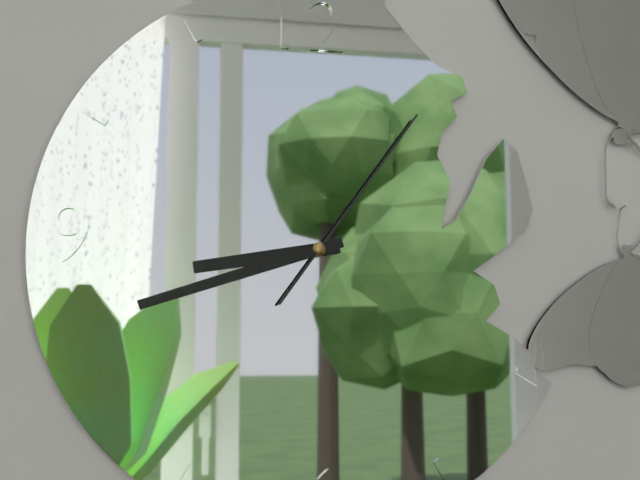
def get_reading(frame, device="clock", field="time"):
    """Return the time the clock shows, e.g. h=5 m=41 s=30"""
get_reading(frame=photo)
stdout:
h=8 m=42 s=6
